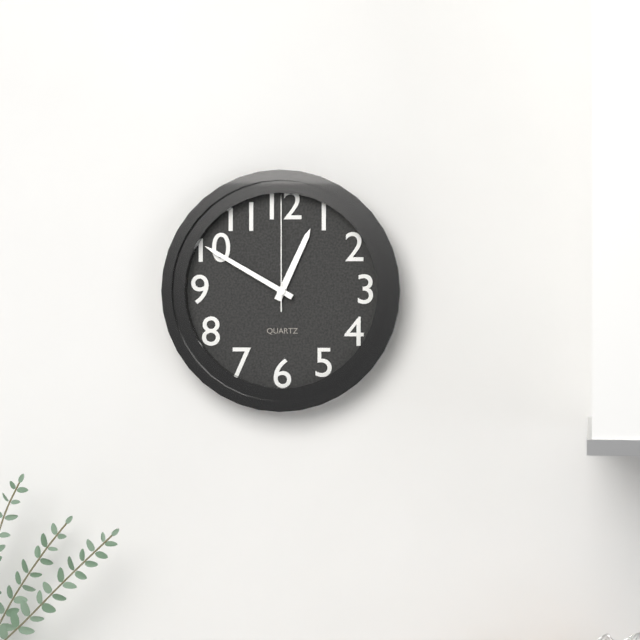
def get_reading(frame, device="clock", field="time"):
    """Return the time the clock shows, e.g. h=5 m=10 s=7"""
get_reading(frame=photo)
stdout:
h=12 m=50 s=0
